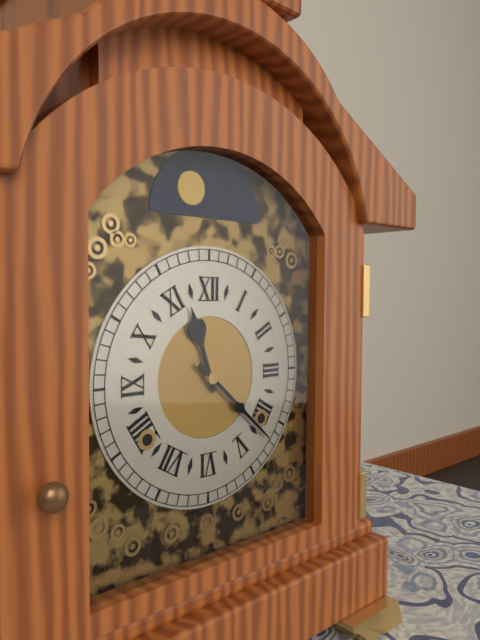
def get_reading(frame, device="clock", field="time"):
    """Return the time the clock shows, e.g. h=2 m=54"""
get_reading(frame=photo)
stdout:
h=11 m=22
